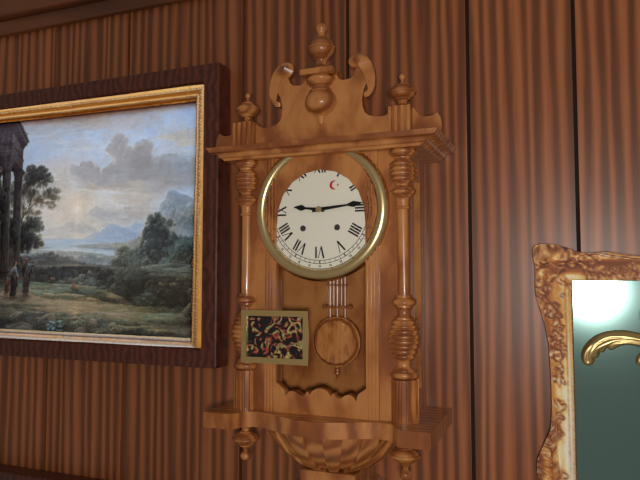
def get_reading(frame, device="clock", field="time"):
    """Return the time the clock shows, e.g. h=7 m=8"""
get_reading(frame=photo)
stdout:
h=9 m=14
